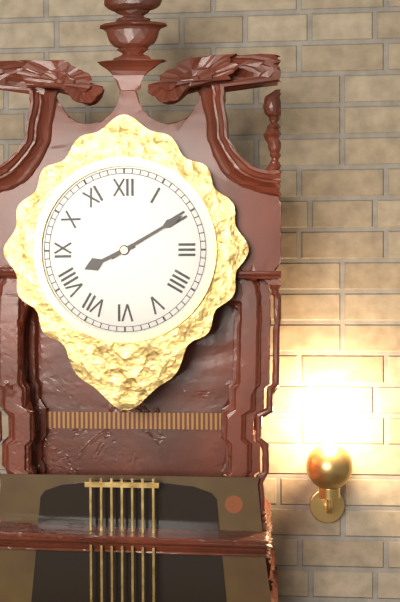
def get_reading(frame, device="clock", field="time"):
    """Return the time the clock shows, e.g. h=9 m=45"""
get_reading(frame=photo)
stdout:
h=8 m=10
